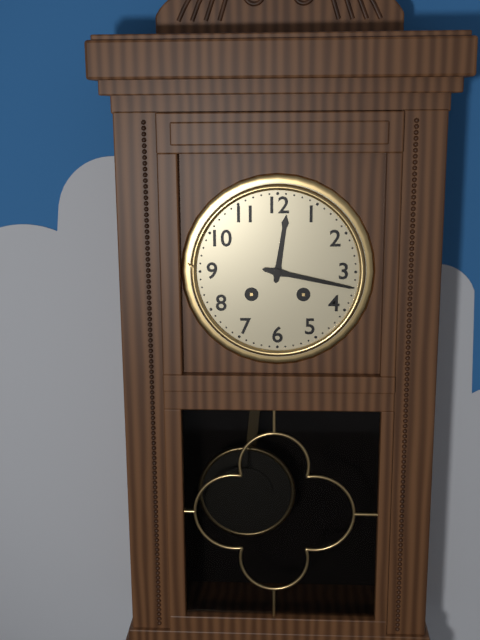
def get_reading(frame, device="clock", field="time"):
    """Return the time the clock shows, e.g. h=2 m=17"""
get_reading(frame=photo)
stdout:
h=12 m=17
